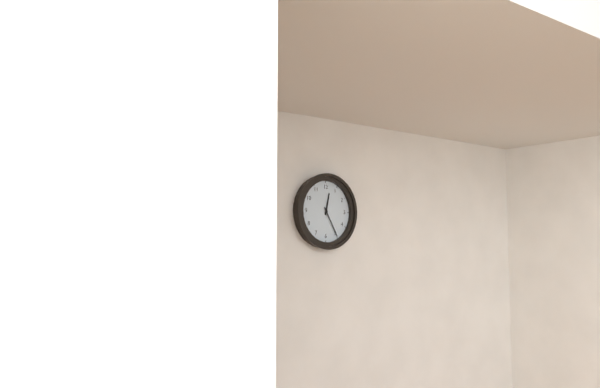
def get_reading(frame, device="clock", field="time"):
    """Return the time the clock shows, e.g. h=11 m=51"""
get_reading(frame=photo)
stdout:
h=12 m=25
